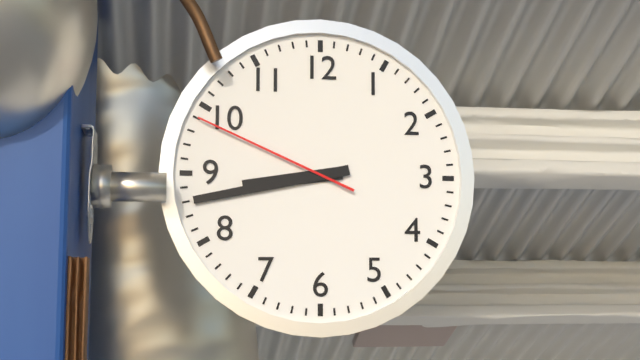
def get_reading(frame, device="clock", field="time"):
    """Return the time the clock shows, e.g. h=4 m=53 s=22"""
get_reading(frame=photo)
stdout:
h=8 m=43 s=49
